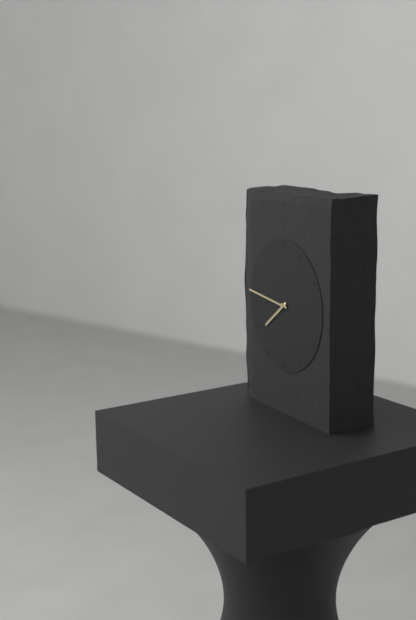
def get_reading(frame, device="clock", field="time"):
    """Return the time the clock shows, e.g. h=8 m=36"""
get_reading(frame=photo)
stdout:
h=7 m=46
